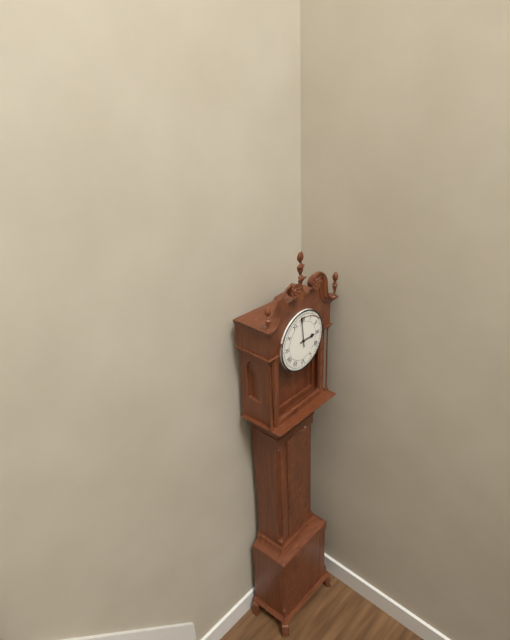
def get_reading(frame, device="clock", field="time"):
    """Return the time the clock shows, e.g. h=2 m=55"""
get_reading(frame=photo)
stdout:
h=2 m=59
